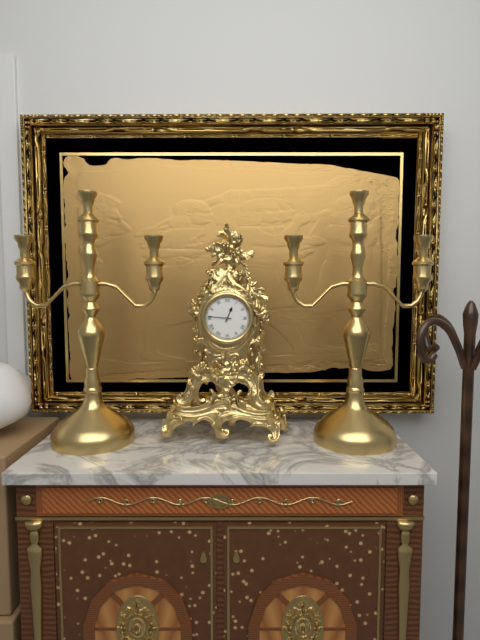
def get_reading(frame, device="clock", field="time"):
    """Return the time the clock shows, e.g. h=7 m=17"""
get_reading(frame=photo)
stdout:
h=12 m=46
